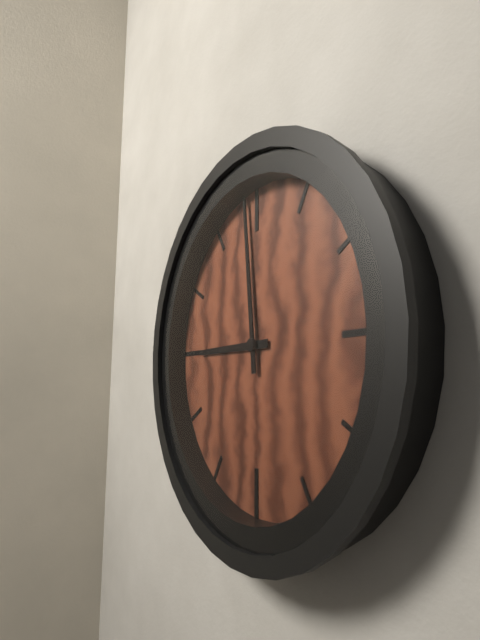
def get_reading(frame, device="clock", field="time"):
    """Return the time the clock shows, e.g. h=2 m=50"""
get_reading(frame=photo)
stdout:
h=8 m=59
